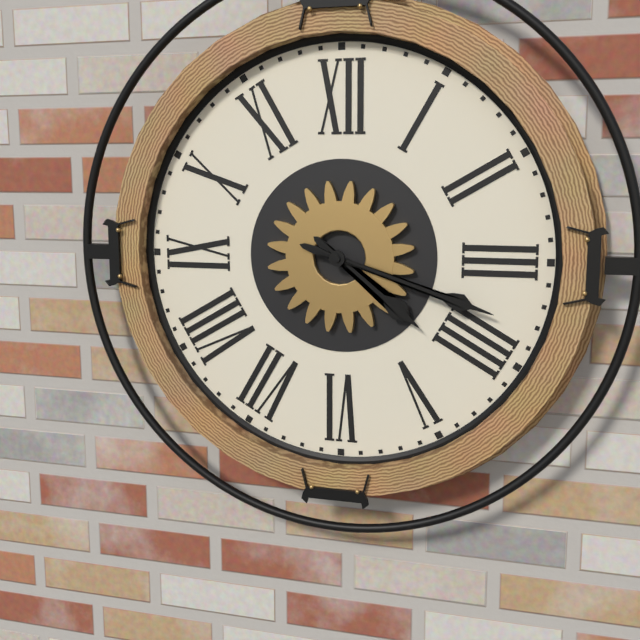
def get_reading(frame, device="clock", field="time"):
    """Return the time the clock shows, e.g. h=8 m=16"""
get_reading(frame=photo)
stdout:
h=4 m=18
